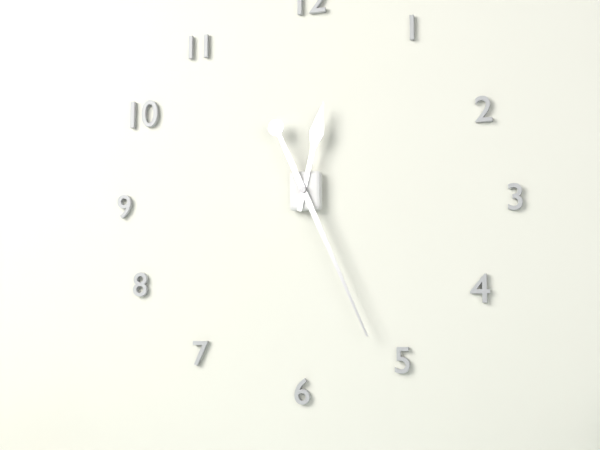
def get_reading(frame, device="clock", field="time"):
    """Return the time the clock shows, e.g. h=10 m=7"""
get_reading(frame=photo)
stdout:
h=12 m=26
